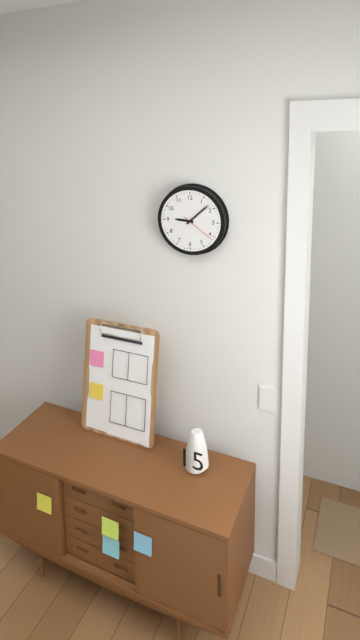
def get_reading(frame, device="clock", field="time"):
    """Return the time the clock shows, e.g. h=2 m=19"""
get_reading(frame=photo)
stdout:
h=9 m=8
